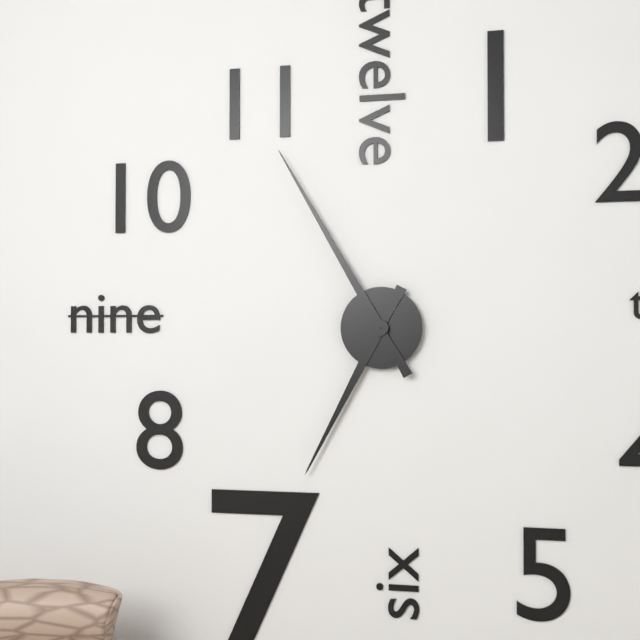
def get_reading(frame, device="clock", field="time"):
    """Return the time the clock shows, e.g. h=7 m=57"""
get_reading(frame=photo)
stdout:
h=6 m=55
